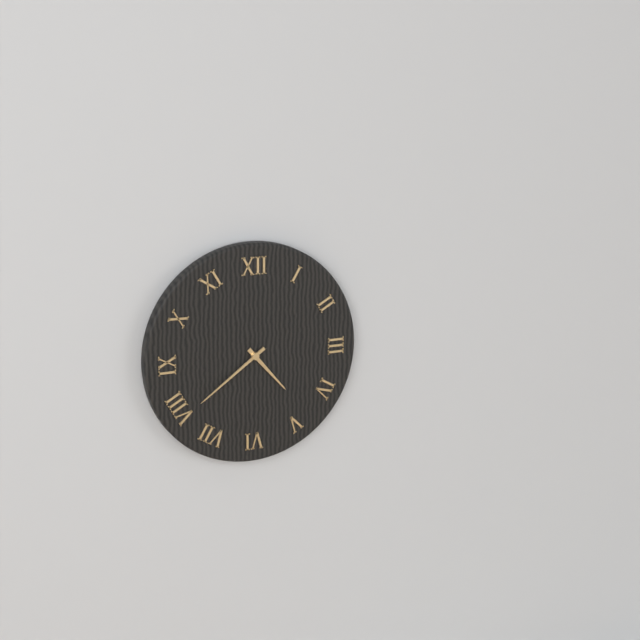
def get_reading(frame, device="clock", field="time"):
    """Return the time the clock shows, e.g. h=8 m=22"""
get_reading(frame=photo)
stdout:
h=4 m=39
